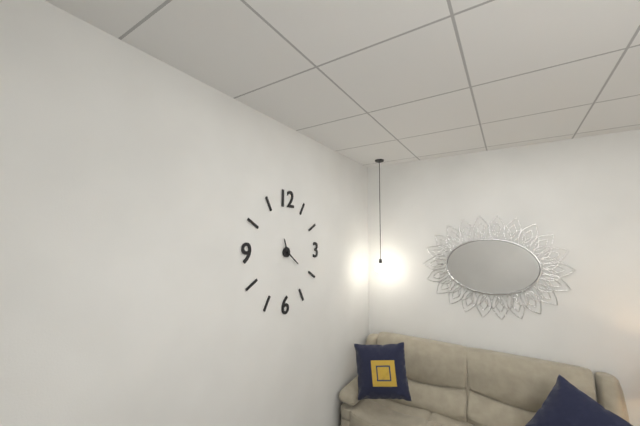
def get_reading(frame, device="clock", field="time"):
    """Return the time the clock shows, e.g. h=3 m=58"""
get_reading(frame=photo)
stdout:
h=11 m=21
